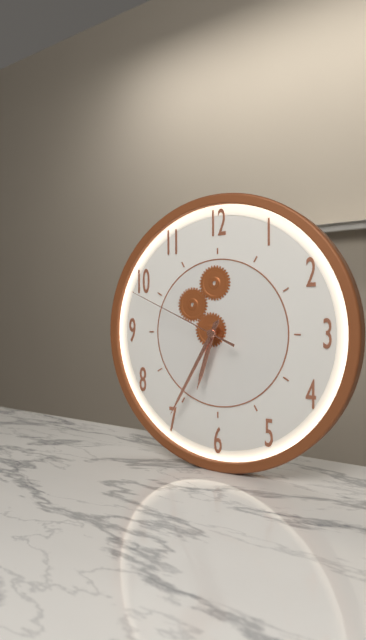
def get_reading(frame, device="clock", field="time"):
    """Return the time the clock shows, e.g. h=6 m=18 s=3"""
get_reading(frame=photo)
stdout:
h=6 m=35 s=49
